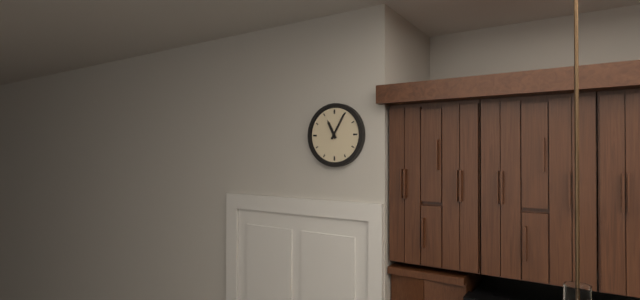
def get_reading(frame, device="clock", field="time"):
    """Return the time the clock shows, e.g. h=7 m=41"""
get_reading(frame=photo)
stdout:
h=11 m=5
